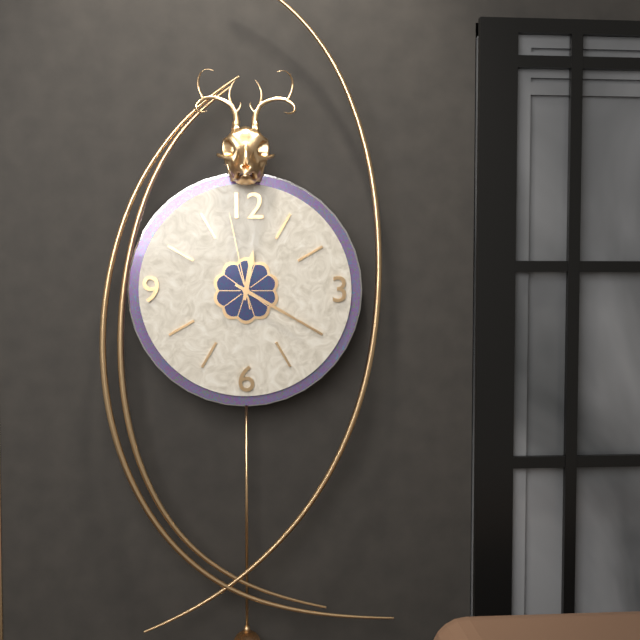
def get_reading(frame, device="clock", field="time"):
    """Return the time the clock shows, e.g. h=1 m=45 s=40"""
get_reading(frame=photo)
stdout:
h=12 m=20 s=58
